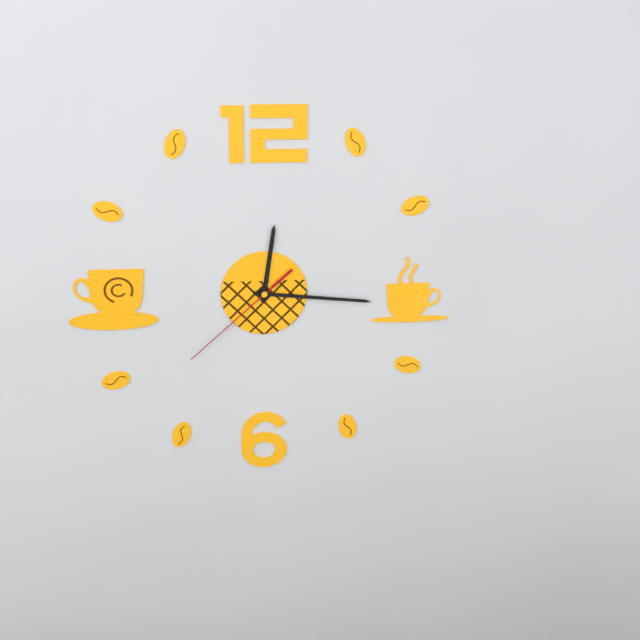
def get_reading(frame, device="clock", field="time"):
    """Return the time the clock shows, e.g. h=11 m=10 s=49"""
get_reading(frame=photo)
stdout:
h=12 m=16 s=38
